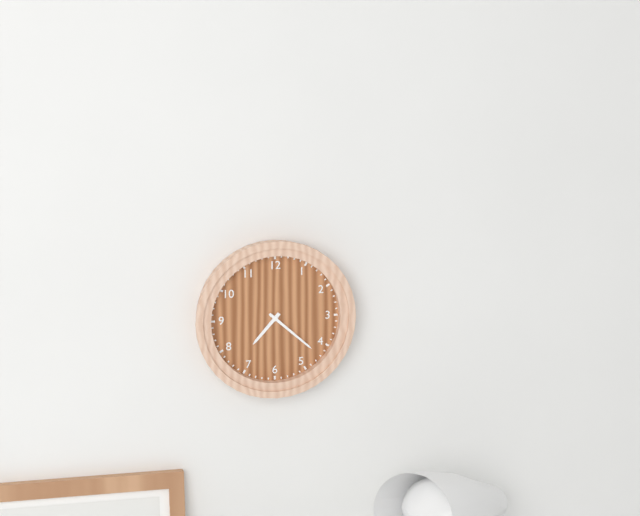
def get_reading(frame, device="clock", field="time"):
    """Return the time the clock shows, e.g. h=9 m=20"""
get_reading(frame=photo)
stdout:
h=7 m=22
